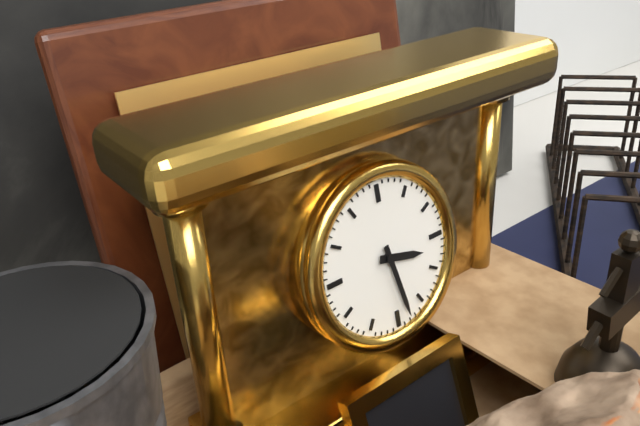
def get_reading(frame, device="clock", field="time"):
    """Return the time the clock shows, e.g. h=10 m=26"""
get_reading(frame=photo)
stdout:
h=3 m=28
